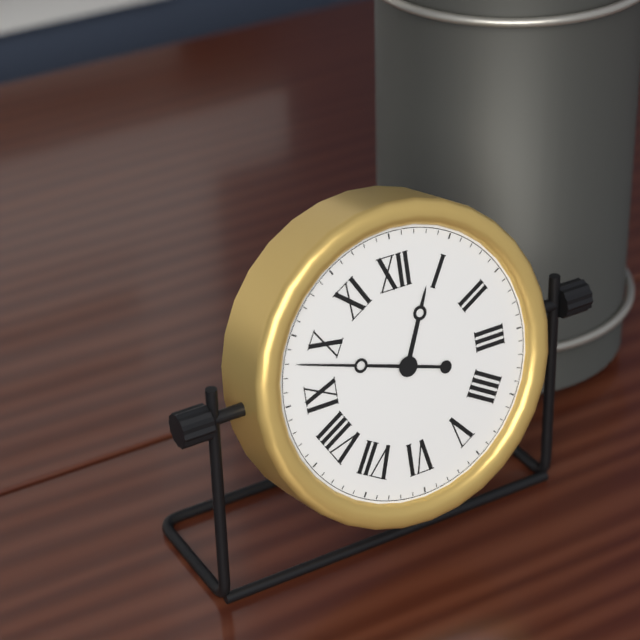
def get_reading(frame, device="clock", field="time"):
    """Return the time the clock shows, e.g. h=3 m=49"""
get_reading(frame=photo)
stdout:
h=12 m=48
